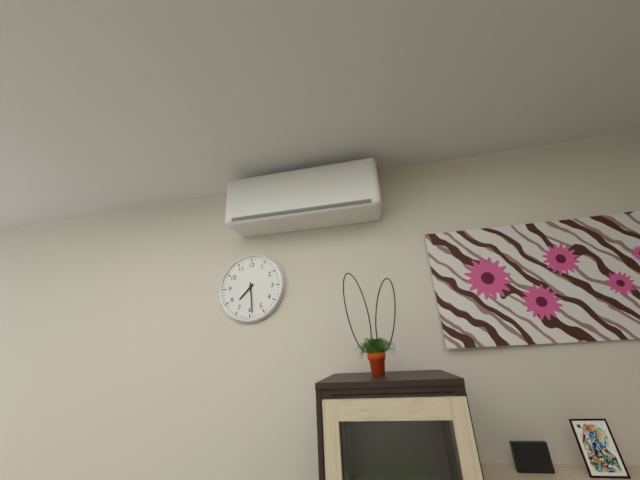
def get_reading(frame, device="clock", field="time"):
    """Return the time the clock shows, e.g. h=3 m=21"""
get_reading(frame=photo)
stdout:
h=7 m=29
